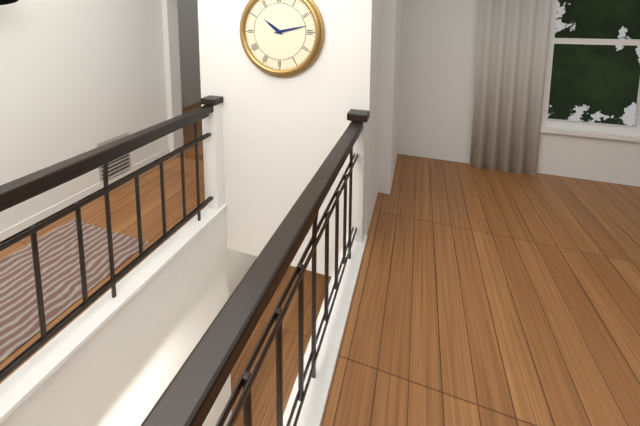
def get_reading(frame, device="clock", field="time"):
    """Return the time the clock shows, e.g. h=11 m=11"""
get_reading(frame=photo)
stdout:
h=10 m=13
